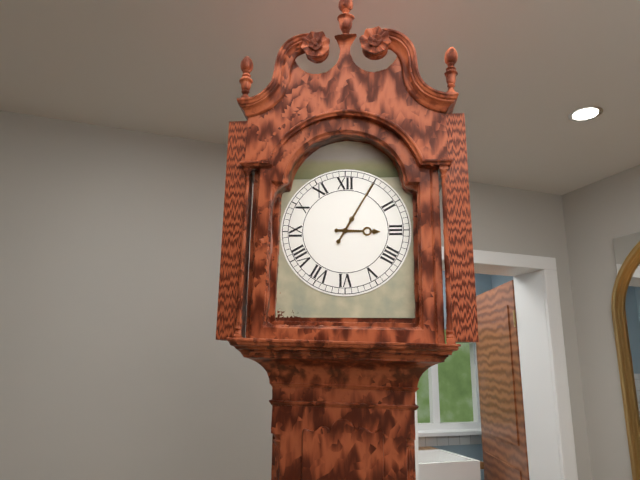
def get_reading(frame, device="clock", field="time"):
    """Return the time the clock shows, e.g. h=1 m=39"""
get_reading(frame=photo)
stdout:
h=3 m=5
